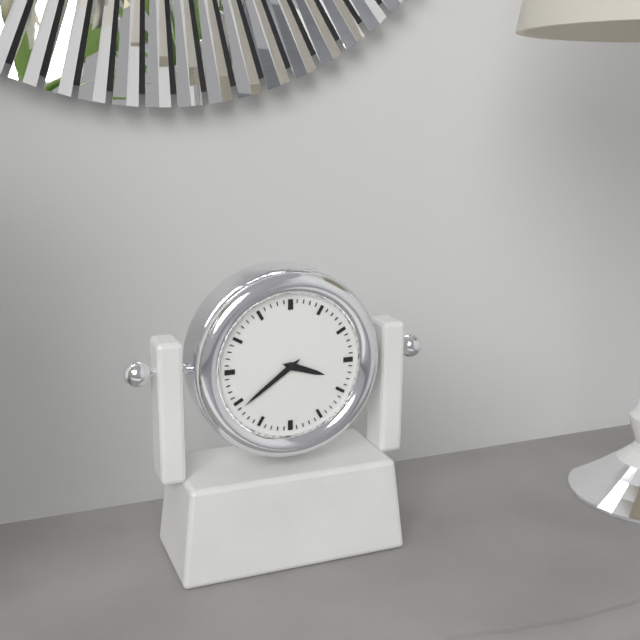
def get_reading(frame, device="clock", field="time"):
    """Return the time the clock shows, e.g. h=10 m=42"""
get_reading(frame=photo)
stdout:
h=3 m=39
